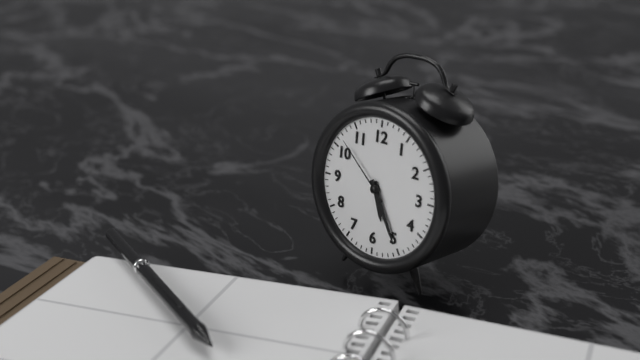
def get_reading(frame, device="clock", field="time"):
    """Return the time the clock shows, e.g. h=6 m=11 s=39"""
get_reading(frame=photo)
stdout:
h=5 m=25 s=52
